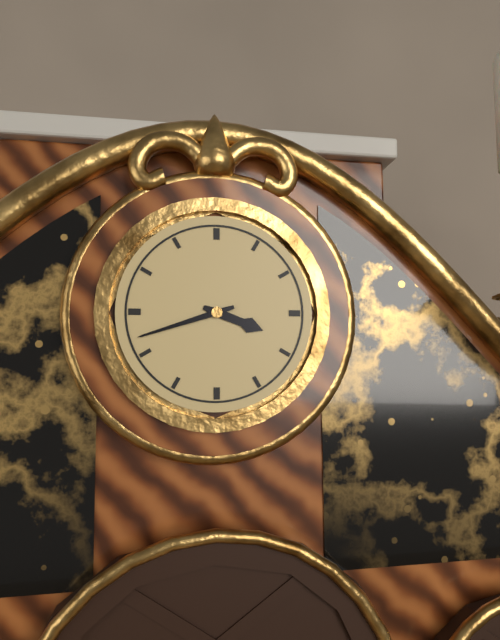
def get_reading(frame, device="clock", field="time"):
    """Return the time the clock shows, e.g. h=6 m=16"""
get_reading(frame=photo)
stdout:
h=3 m=42
